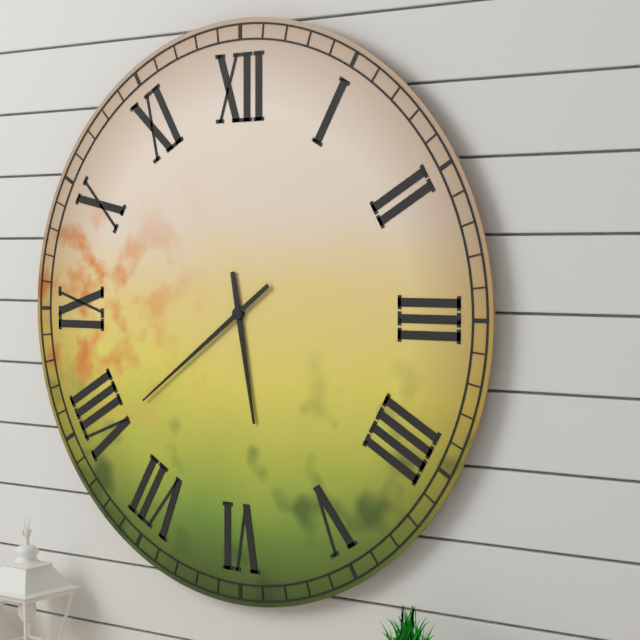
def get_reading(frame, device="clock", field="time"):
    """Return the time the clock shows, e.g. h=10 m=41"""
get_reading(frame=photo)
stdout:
h=5 m=39
